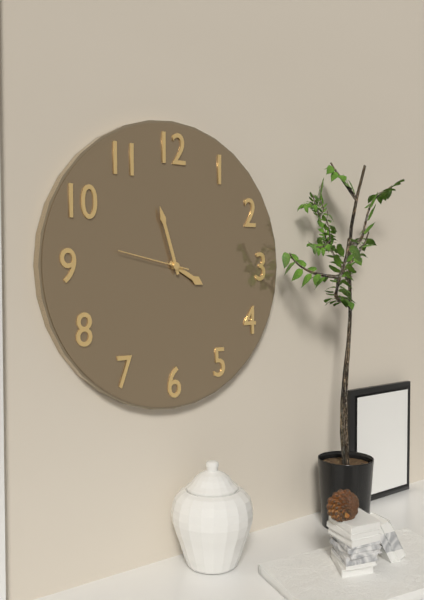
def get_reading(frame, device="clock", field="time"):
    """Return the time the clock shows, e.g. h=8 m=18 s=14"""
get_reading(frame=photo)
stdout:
h=3 m=57 s=47
